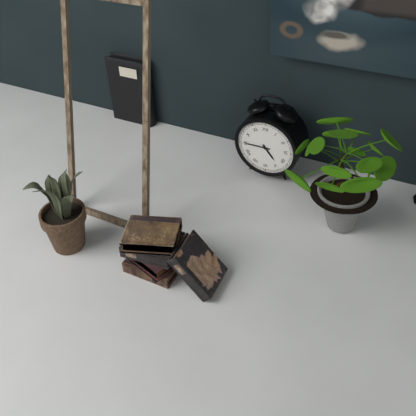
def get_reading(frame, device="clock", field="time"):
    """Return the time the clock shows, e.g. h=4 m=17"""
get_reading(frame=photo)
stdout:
h=4 m=45
